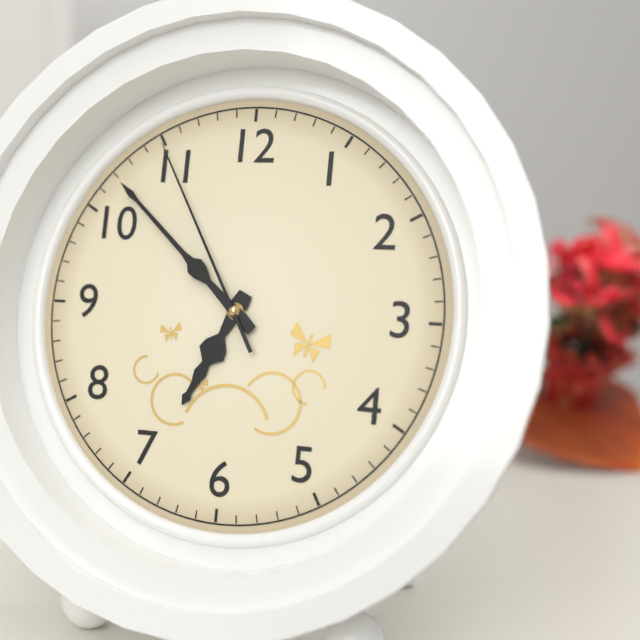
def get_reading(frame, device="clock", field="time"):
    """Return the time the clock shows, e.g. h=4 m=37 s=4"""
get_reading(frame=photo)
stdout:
h=6 m=52 s=55
